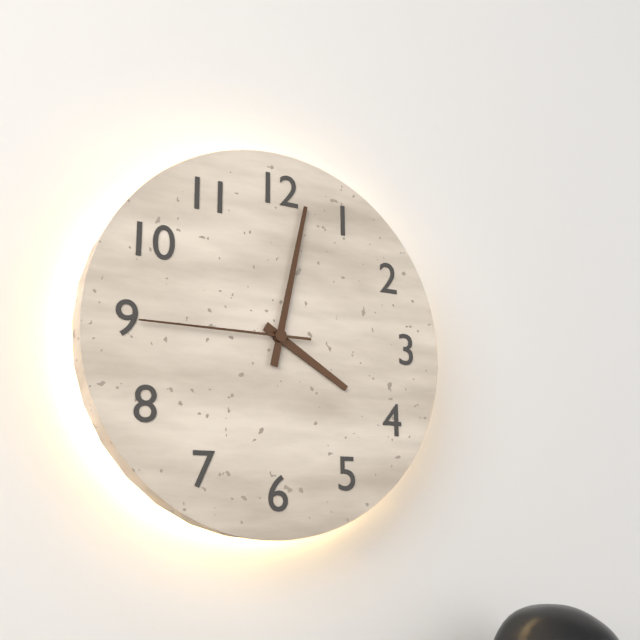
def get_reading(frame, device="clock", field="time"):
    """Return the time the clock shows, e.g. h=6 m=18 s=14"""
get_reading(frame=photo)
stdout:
h=4 m=2 s=45
